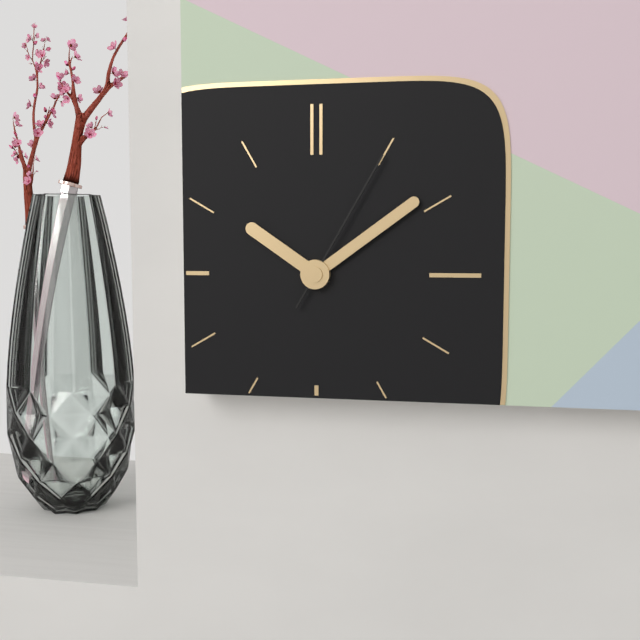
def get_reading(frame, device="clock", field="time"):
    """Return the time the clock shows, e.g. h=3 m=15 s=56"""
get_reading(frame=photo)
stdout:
h=10 m=9 s=5
